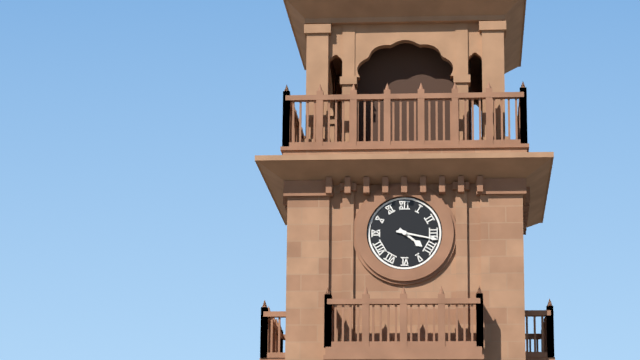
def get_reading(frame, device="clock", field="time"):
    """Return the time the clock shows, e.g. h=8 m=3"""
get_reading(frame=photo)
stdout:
h=4 m=17
